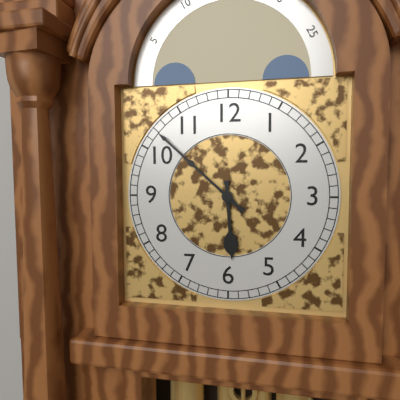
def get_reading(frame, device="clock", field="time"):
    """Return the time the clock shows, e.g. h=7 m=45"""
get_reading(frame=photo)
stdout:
h=5 m=52
